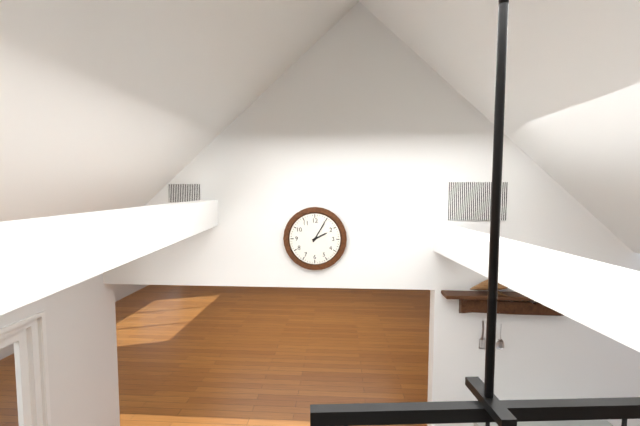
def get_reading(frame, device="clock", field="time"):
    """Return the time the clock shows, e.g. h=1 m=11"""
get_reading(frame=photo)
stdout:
h=2 m=5
